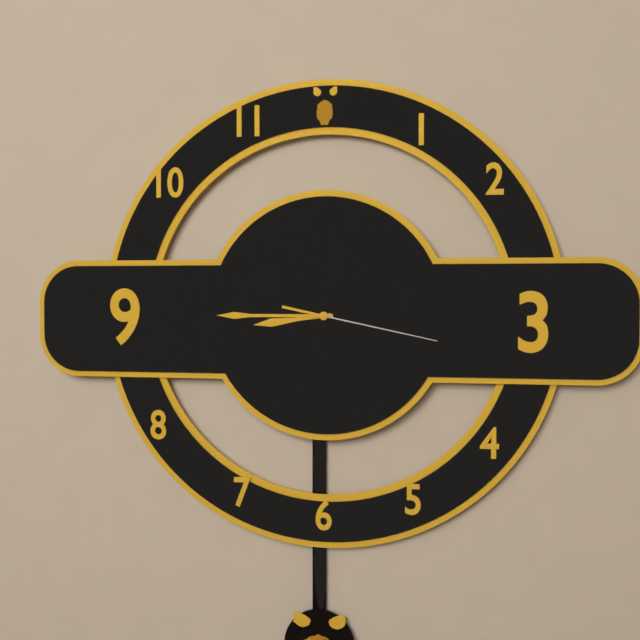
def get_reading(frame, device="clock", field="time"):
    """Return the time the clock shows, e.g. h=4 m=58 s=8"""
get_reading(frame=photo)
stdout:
h=8 m=45 s=17
